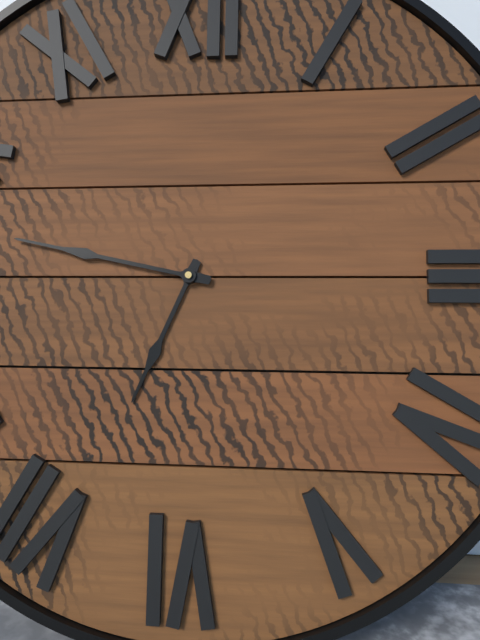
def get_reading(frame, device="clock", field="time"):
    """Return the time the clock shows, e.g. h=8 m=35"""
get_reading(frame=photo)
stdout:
h=6 m=47
